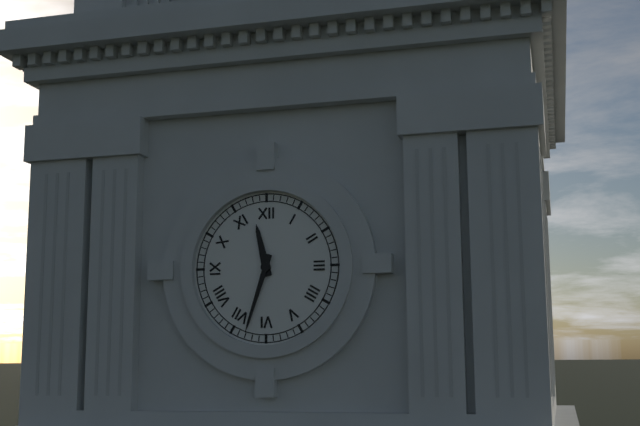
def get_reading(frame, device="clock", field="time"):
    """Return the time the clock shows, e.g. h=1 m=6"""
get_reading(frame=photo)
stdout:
h=11 m=33
